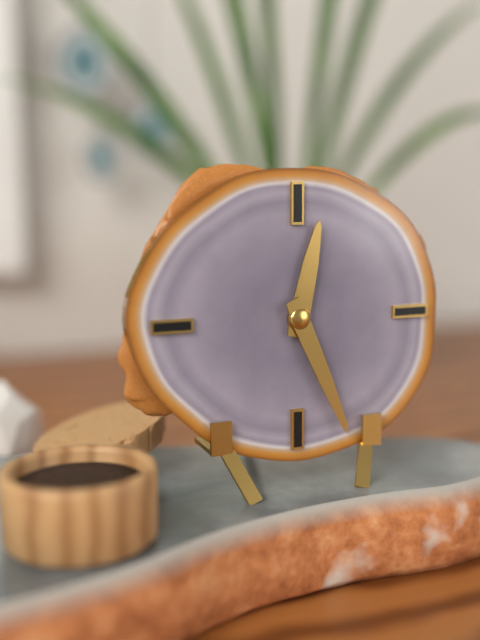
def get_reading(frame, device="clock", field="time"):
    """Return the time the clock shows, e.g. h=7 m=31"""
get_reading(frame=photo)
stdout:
h=12 m=26
